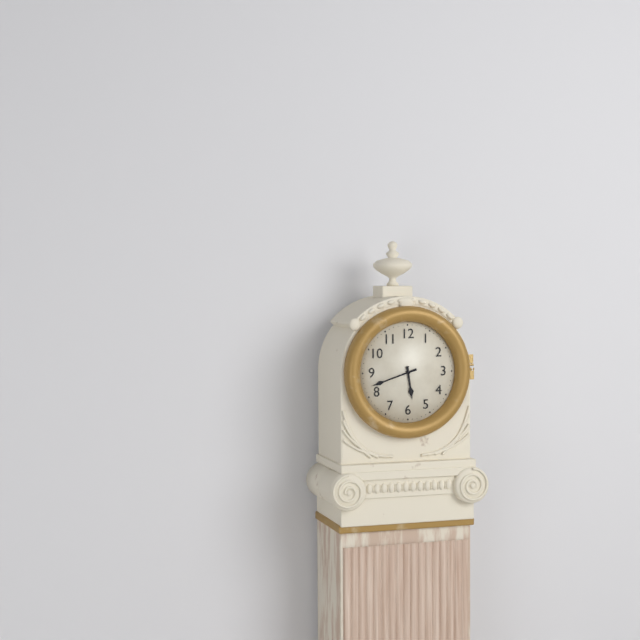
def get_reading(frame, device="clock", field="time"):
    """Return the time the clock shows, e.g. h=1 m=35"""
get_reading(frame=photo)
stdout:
h=5 m=42
